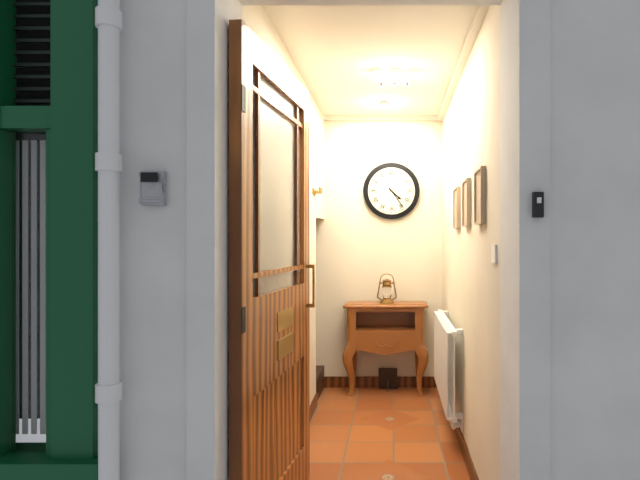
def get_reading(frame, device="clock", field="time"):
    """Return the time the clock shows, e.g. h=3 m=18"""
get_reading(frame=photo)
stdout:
h=4 m=24
